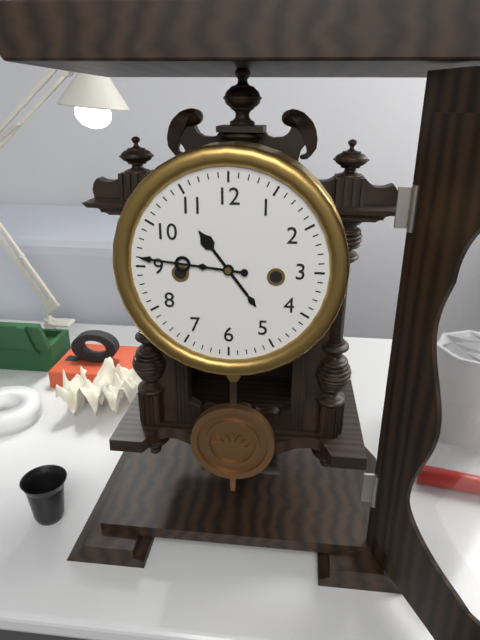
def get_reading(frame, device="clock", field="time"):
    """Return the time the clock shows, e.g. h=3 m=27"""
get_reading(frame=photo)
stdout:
h=10 m=46
